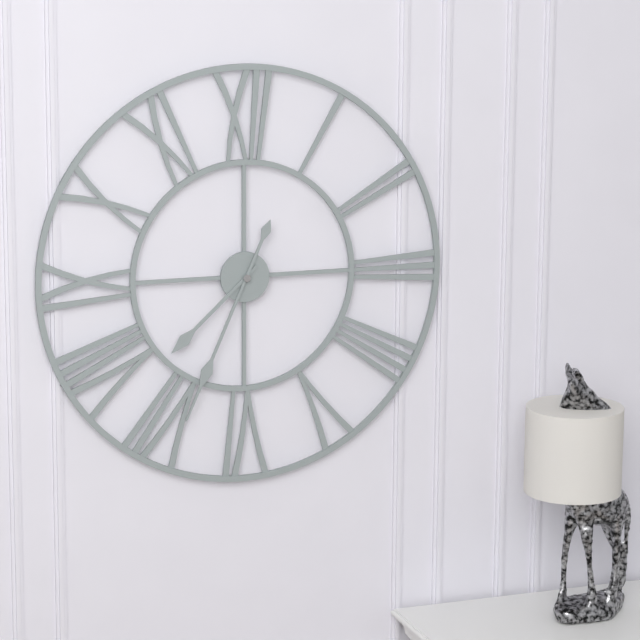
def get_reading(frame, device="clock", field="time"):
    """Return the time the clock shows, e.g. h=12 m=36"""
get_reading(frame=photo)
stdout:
h=7 m=34
